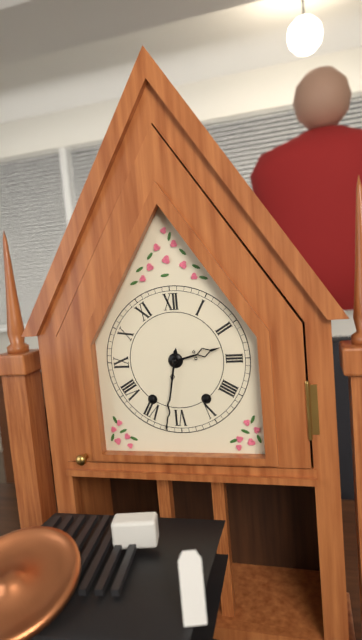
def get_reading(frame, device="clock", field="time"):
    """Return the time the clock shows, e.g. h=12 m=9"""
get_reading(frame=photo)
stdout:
h=2 m=32
